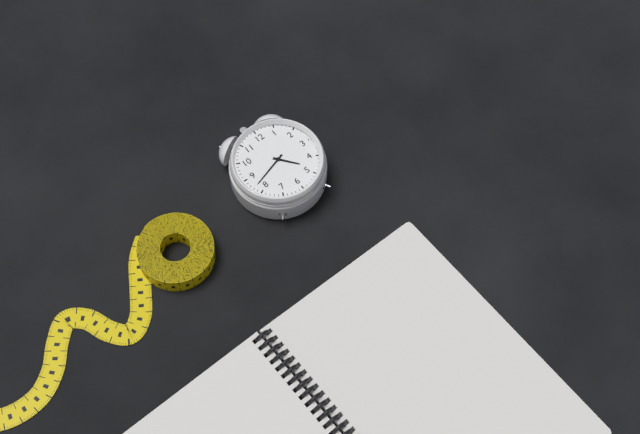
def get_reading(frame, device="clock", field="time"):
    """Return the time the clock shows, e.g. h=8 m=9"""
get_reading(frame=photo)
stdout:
h=4 m=42
